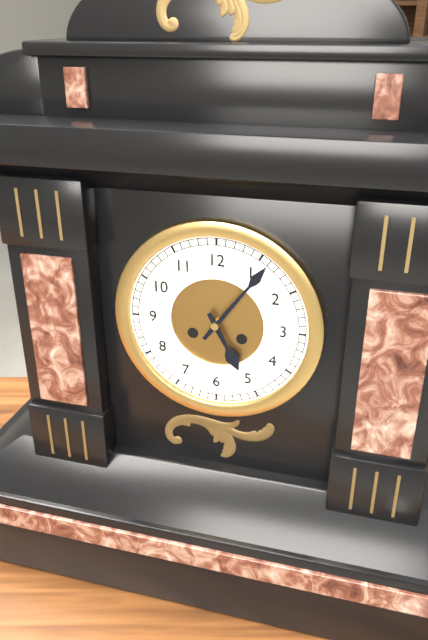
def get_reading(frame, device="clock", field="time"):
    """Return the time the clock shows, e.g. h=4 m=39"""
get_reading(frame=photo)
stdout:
h=5 m=6
